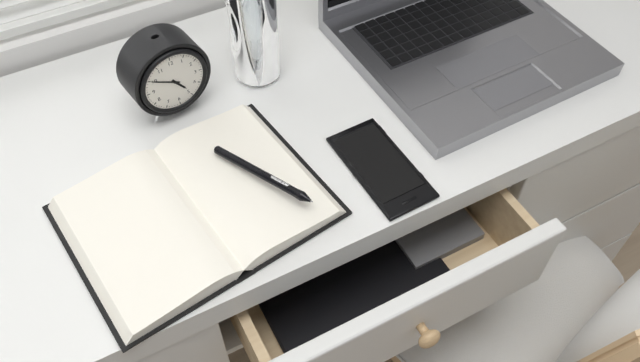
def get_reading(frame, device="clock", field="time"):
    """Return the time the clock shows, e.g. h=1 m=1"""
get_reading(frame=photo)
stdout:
h=4 m=50
